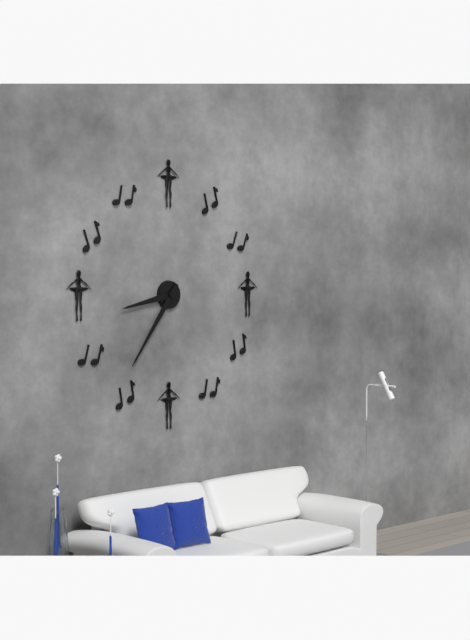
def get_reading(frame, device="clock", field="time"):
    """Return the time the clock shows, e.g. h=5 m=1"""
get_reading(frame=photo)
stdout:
h=8 m=36
